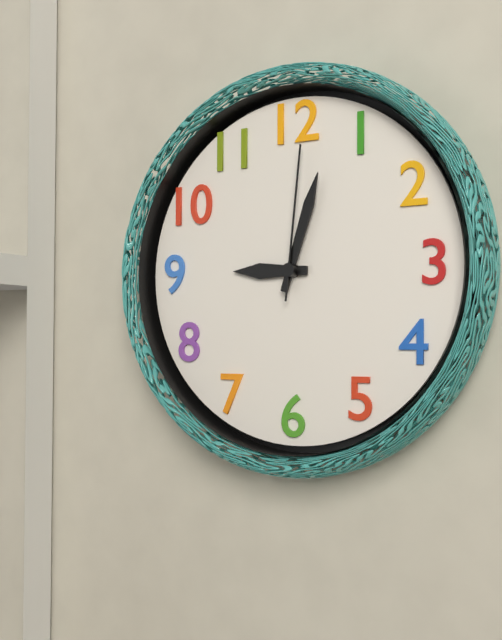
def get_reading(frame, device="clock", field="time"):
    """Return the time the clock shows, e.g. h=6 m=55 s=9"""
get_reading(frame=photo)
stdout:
h=9 m=3 s=1
